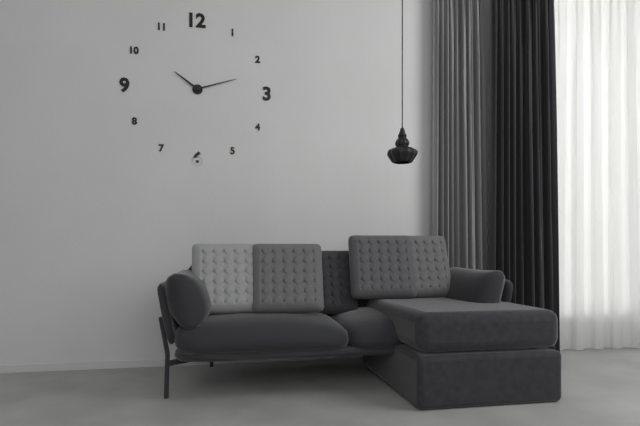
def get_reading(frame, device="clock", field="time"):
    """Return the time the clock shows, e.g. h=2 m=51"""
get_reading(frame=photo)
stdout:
h=10 m=12
